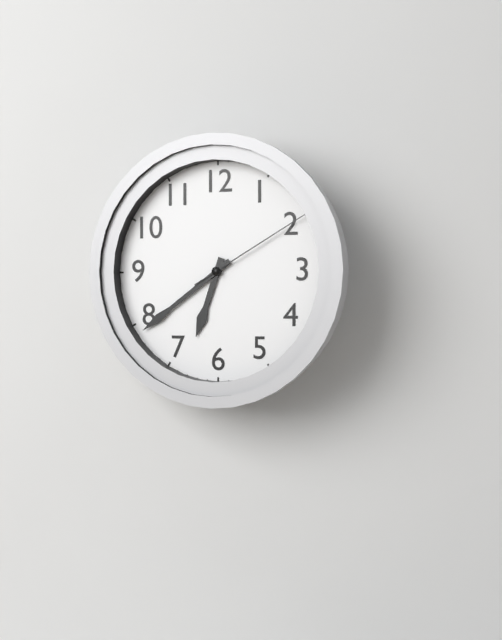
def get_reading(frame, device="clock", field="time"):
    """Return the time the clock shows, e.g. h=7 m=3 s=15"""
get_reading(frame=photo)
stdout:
h=6 m=39 s=10
